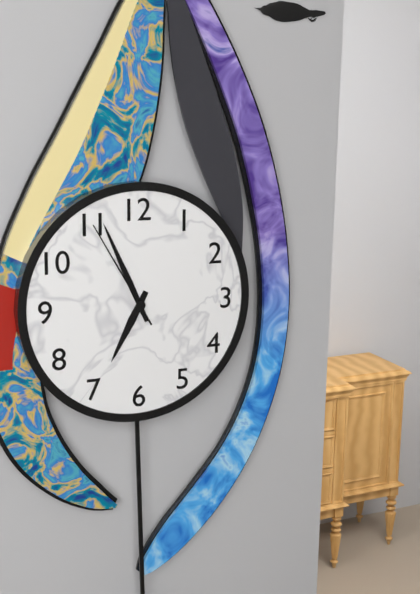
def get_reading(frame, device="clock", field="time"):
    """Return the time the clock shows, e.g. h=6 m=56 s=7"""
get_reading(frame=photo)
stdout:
h=6 m=56 s=55
